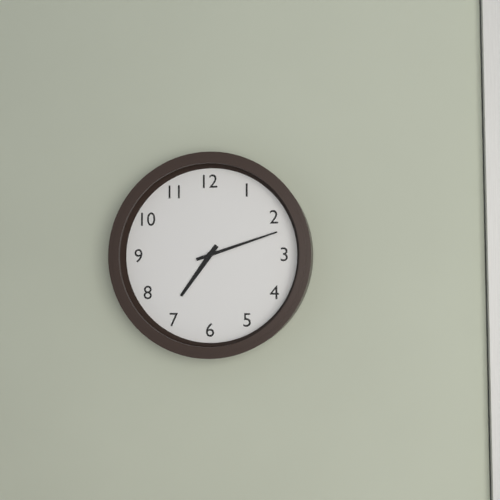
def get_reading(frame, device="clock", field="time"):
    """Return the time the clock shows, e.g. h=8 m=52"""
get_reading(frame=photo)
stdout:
h=7 m=12
